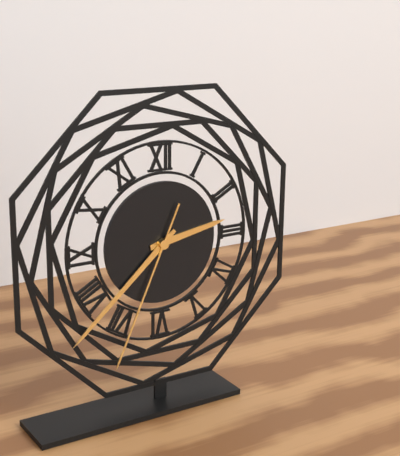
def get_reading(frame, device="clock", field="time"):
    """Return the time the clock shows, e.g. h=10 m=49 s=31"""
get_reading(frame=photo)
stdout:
h=2 m=38 s=34
